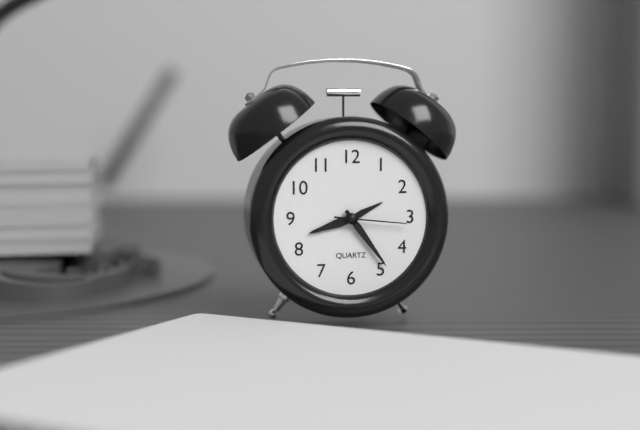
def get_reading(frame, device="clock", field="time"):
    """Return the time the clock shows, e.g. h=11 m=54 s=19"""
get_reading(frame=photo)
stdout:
h=8 m=24 s=16
